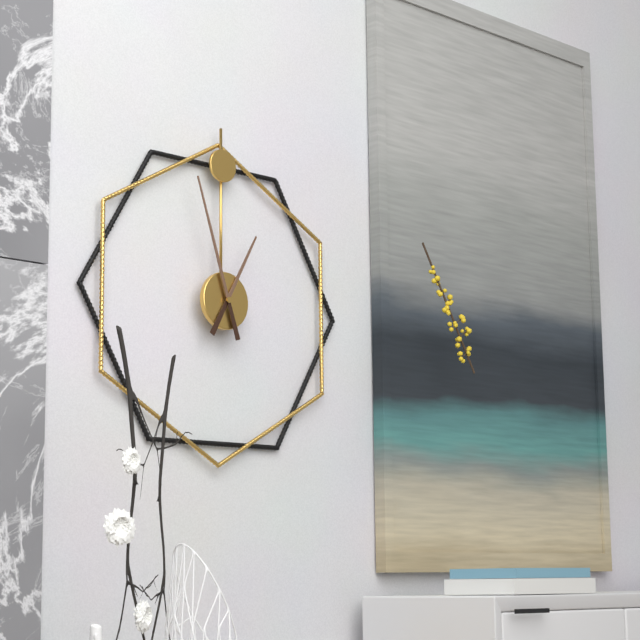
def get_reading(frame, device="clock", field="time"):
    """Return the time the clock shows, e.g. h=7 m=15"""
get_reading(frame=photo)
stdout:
h=12 m=57
